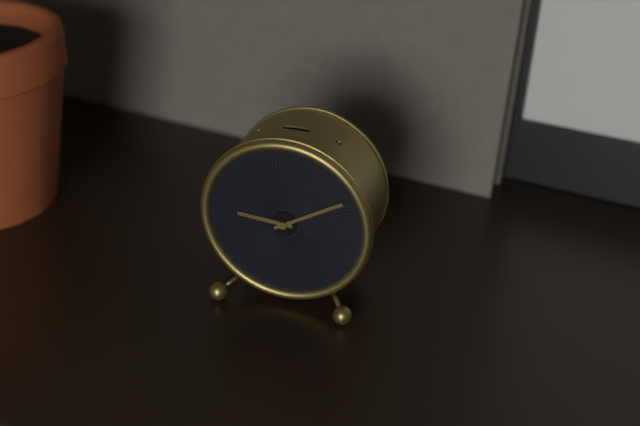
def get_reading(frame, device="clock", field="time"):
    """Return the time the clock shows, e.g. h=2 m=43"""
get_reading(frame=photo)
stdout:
h=9 m=10
